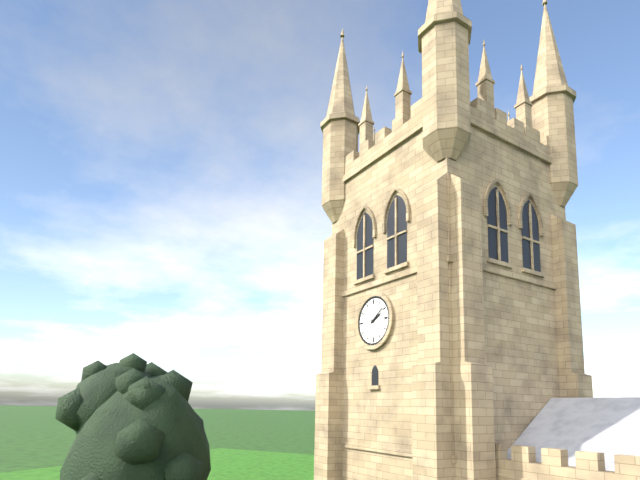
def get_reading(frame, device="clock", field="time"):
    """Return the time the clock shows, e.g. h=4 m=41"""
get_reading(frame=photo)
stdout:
h=2 m=9
